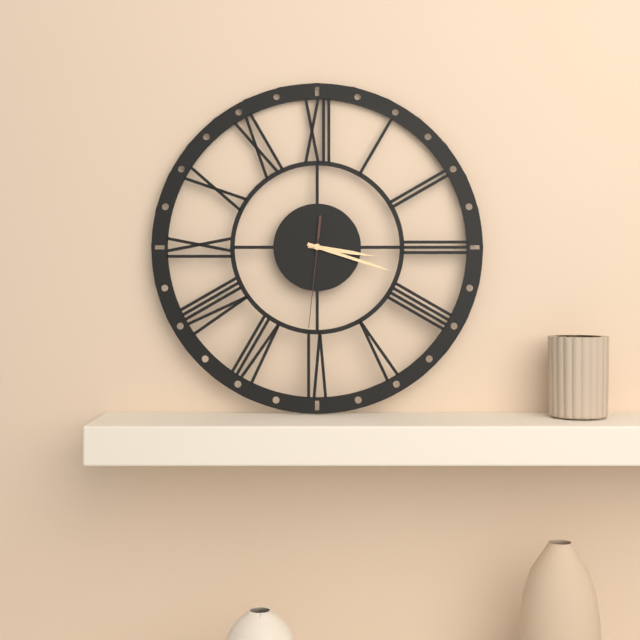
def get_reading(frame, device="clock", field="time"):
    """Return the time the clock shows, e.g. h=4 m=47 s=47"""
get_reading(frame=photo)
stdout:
h=3 m=18 s=31
